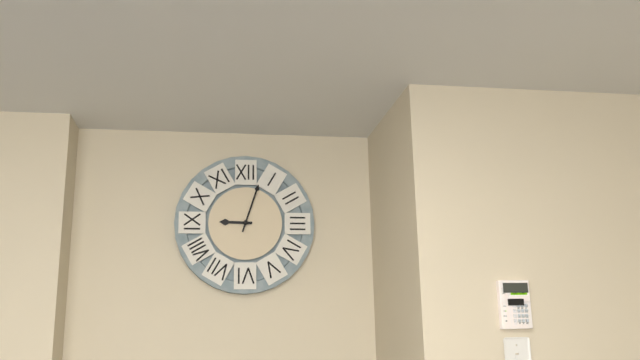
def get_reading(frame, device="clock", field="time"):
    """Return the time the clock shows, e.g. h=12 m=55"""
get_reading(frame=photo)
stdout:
h=9 m=3
